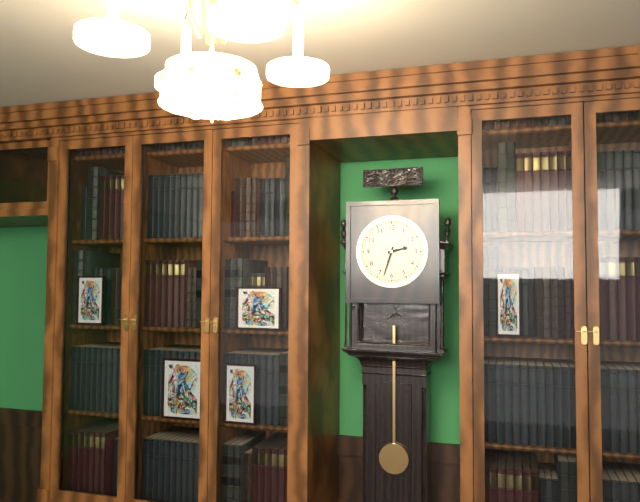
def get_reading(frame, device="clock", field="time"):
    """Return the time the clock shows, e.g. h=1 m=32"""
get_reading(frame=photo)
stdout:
h=2 m=33
